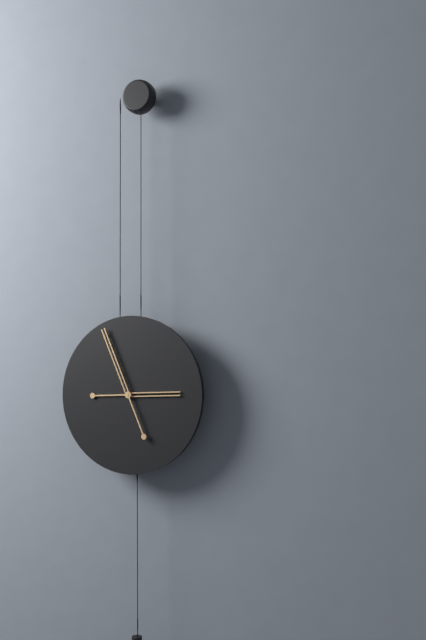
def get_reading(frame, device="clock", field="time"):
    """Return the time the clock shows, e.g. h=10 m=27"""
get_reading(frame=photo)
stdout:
h=2 m=56
